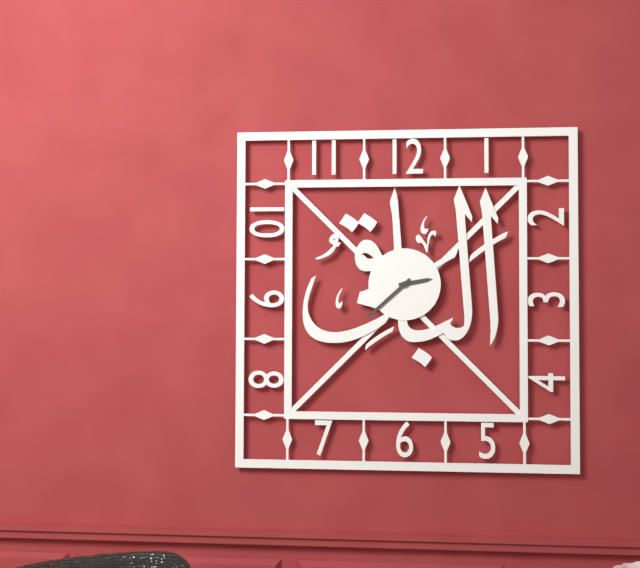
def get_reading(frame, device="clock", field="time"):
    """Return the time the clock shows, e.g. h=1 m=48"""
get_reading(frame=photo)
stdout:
h=2 m=38
